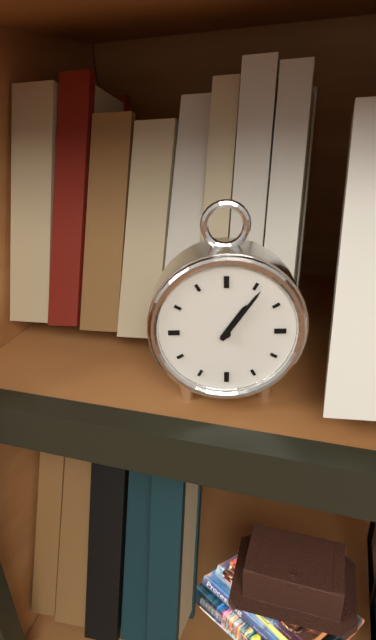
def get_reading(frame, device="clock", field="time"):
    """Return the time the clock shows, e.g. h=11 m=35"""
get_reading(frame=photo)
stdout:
h=1 m=6
